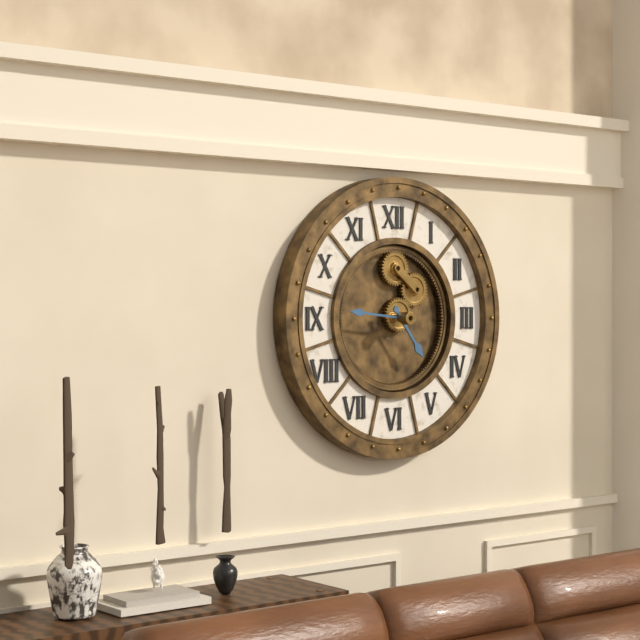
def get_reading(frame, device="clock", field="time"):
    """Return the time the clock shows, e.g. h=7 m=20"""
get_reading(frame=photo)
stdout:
h=4 m=46
